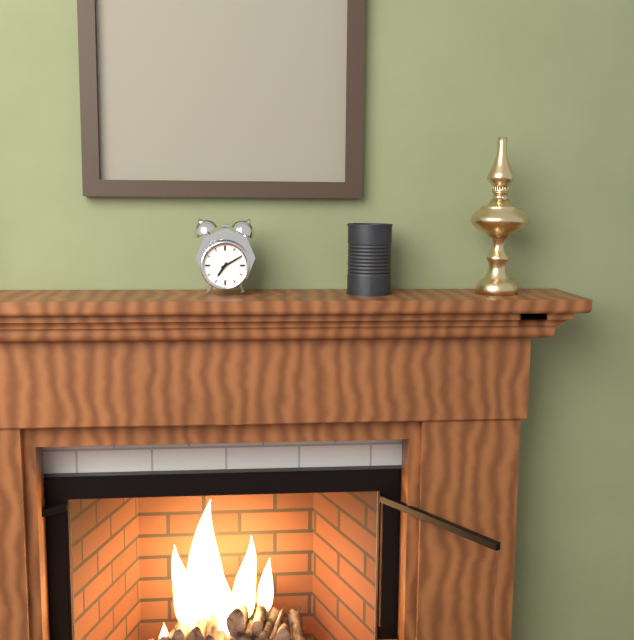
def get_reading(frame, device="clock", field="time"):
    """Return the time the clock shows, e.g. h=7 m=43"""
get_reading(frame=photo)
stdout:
h=7 m=10
